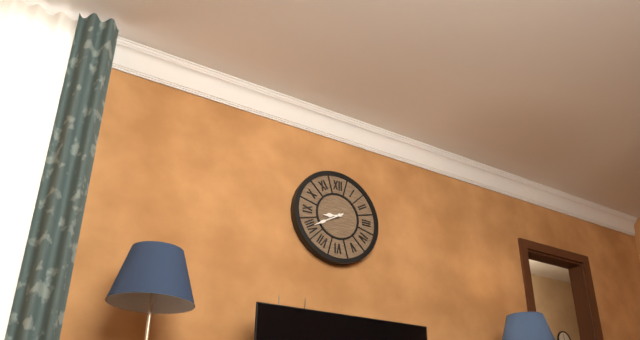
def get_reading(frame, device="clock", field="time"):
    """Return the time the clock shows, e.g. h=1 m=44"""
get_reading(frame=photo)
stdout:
h=8 m=40
